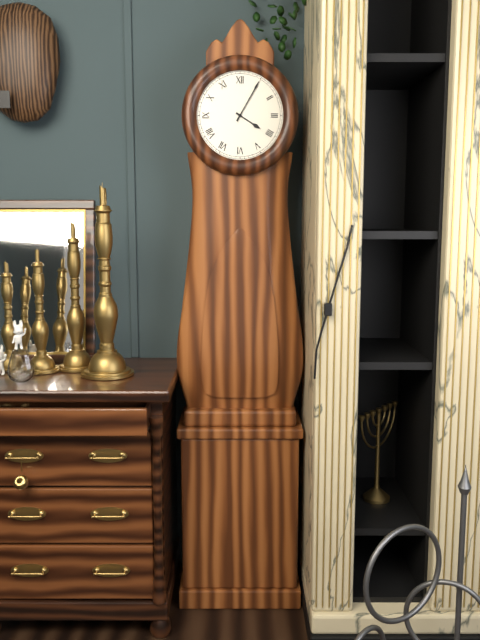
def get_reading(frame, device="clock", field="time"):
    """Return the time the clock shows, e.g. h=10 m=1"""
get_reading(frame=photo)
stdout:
h=4 m=5
